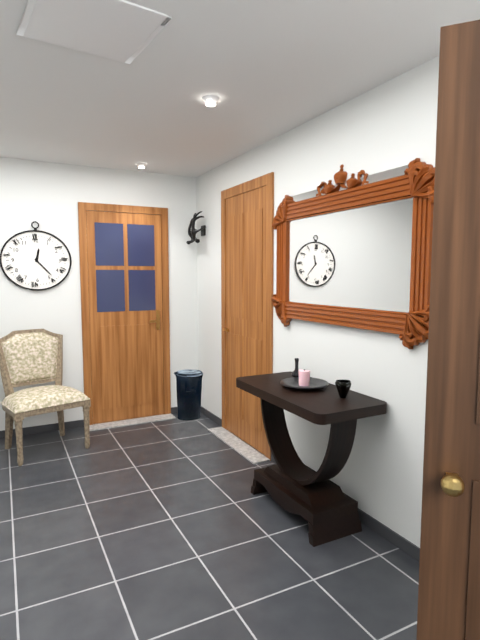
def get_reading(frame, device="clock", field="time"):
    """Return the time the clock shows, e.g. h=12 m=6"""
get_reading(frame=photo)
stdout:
h=12 m=23
